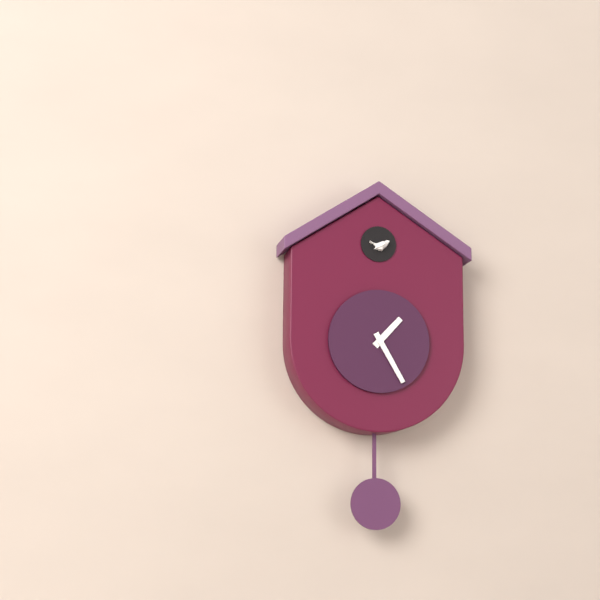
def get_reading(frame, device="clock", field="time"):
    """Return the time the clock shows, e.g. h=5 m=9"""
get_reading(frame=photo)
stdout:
h=1 m=25
